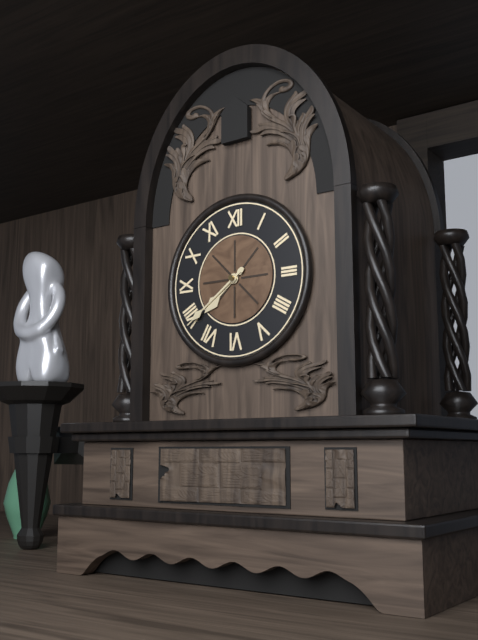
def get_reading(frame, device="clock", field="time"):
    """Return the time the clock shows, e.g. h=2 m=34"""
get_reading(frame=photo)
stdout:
h=7 m=39
